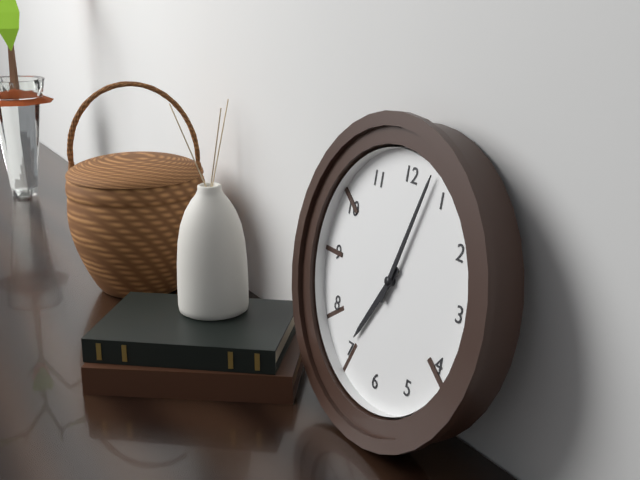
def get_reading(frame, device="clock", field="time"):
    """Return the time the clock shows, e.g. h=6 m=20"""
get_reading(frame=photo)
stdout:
h=7 m=3
